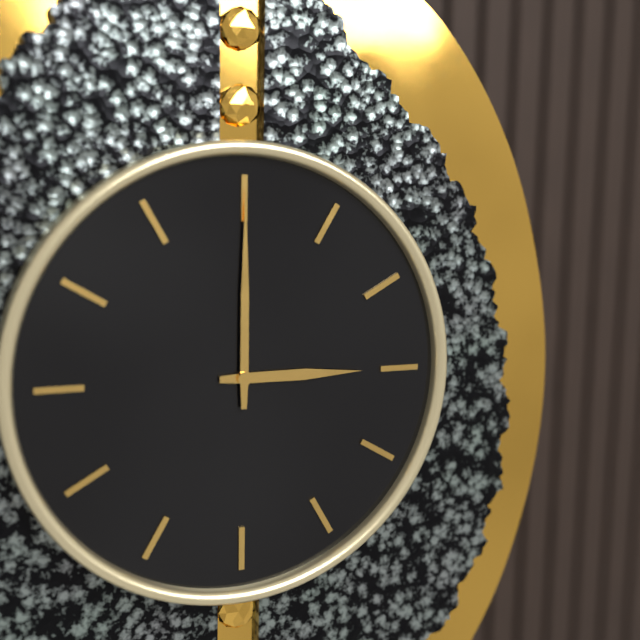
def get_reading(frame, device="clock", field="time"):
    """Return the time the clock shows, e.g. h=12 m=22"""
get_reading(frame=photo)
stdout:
h=3 m=0
